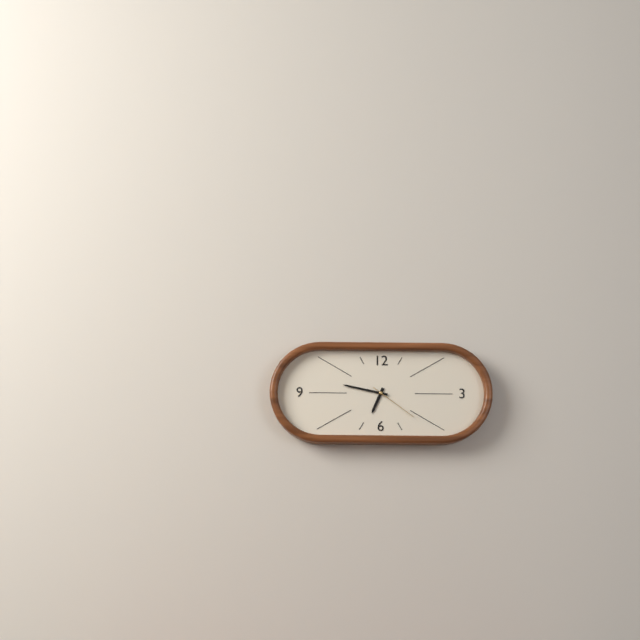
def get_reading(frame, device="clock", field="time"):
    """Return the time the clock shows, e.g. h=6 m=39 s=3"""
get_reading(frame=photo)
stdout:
h=6 m=47 s=21
